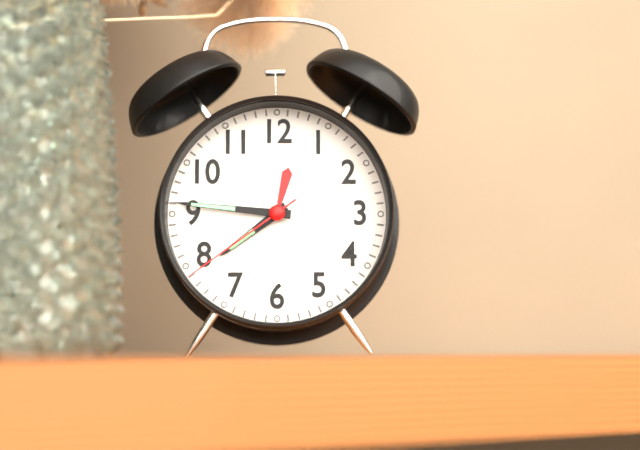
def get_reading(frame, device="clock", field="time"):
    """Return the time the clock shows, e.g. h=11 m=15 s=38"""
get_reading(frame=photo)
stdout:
h=7 m=46 s=39
